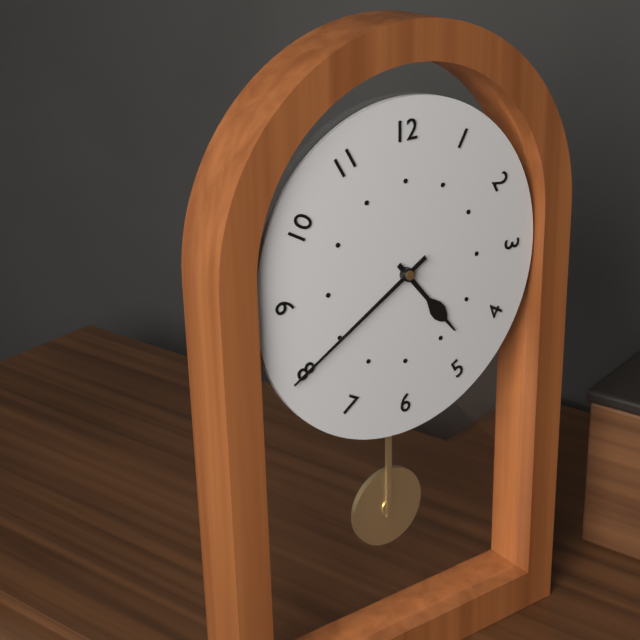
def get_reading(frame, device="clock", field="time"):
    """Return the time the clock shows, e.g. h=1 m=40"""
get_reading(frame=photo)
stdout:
h=4 m=40
